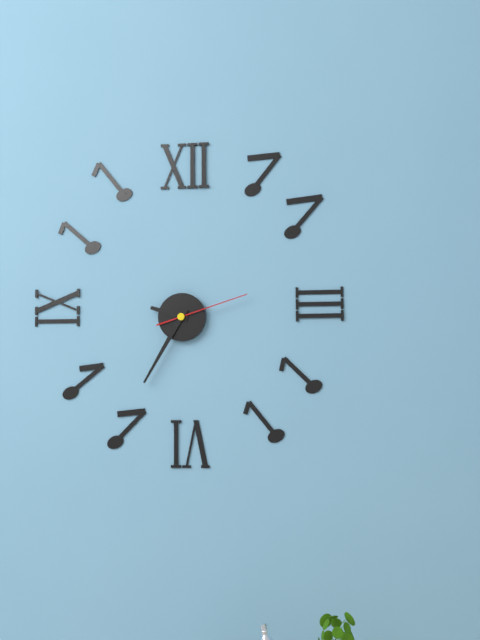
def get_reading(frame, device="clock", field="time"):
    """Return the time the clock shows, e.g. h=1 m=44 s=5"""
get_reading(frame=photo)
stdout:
h=9 m=35 s=12
